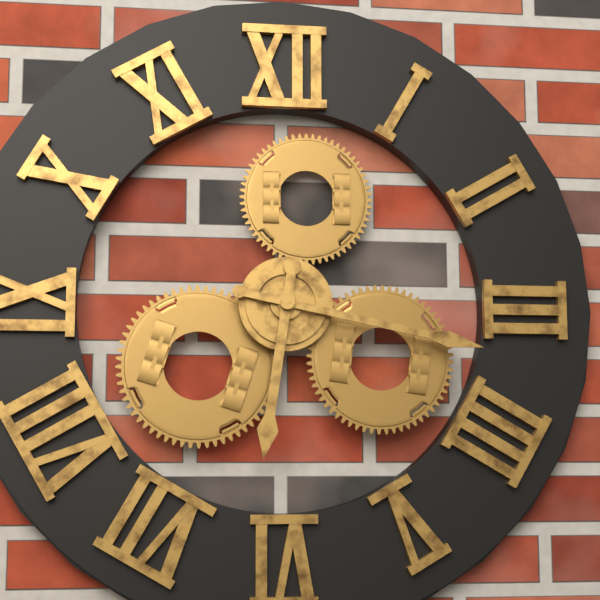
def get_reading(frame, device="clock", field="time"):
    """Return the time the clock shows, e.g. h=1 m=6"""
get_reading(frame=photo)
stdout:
h=6 m=17
